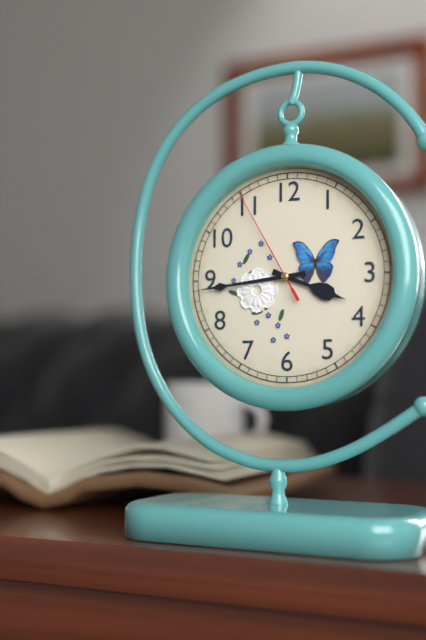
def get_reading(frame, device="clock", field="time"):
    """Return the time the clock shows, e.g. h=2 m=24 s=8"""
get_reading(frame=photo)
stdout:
h=3 m=44 s=55
